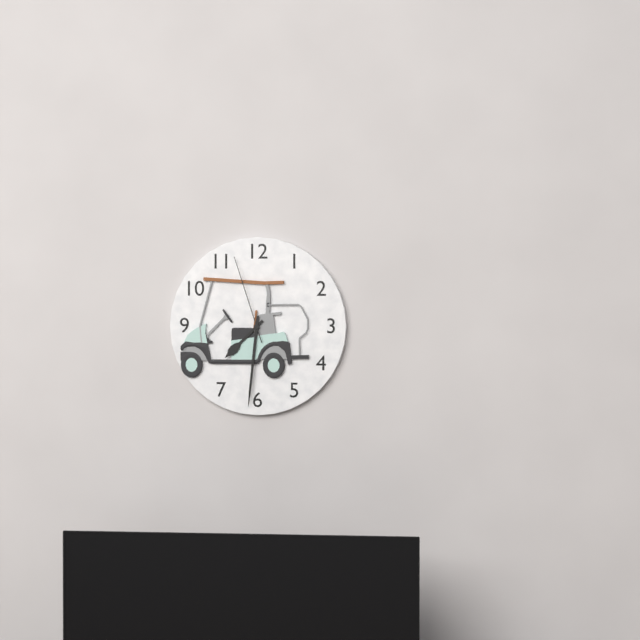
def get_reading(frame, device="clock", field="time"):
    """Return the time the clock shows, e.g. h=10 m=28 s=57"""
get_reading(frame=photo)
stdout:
h=7 m=31 s=57
